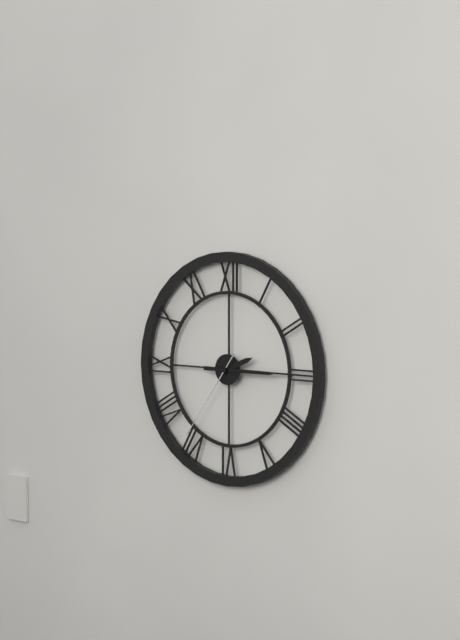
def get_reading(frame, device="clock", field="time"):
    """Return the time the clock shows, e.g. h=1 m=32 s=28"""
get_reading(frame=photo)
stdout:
h=2 m=15 s=36
